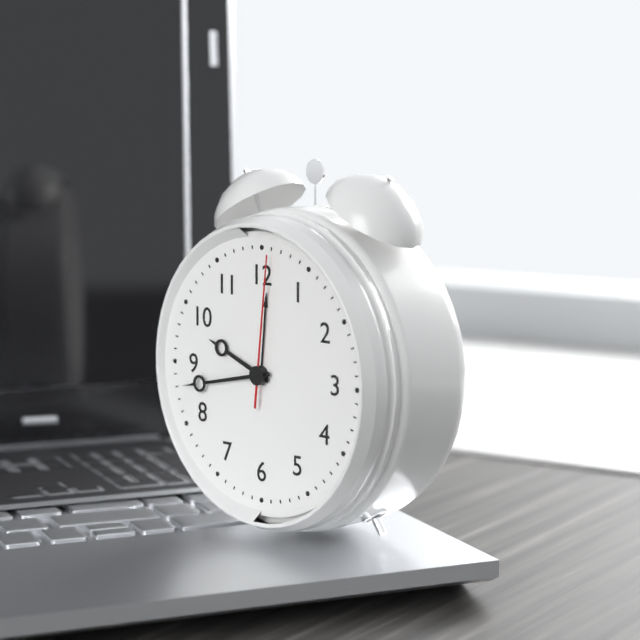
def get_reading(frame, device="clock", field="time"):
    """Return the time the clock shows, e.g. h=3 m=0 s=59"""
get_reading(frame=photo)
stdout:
h=9 m=43 s=1
